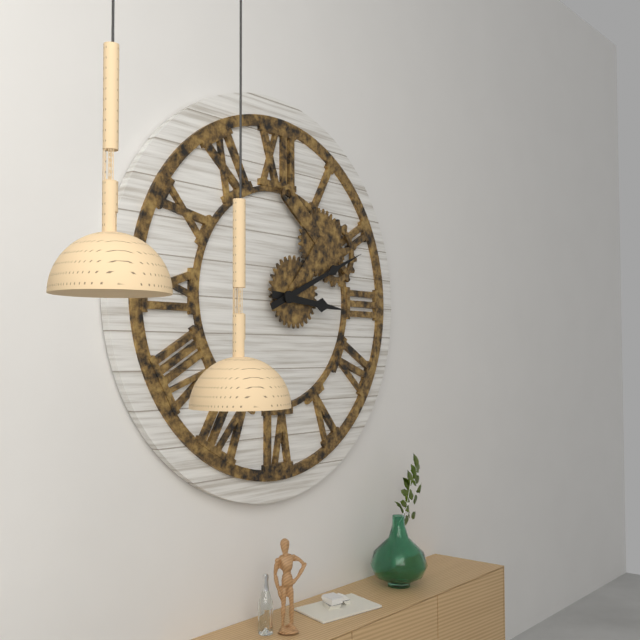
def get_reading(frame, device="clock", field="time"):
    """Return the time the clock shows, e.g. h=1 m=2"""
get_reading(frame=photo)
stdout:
h=3 m=11
